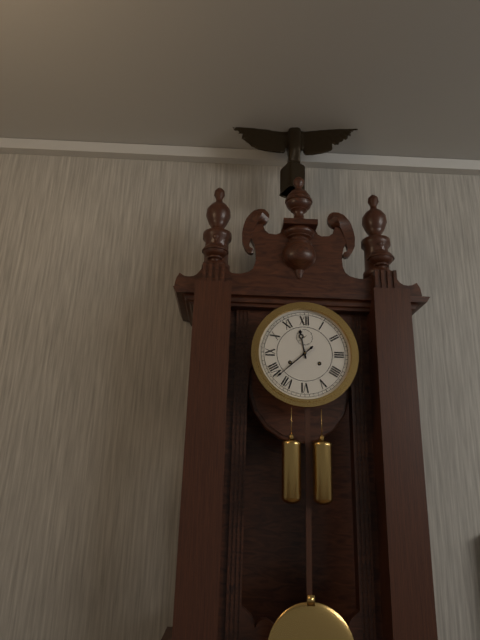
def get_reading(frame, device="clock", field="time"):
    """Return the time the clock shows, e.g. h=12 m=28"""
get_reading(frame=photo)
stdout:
h=11 m=38
